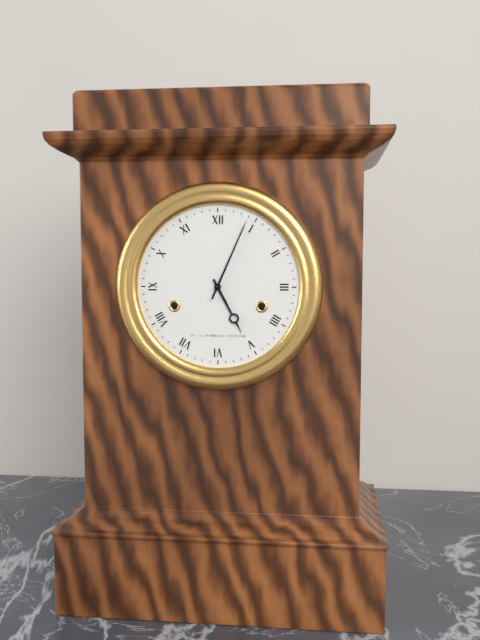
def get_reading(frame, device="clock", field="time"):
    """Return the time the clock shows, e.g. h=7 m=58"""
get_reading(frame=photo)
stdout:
h=5 m=4
